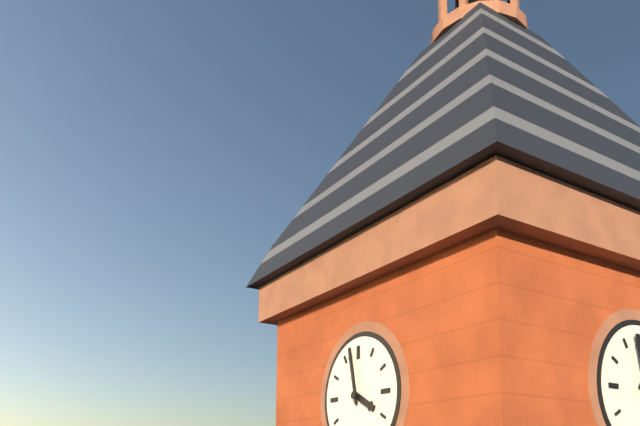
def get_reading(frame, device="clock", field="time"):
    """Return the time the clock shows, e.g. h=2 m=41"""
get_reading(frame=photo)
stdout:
h=3 m=58
